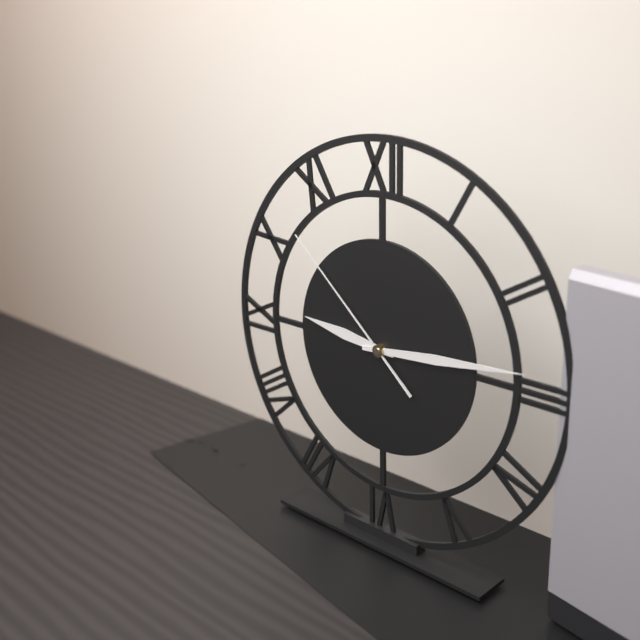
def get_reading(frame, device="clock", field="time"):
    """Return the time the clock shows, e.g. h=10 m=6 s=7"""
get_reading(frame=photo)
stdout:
h=9 m=14 s=52
